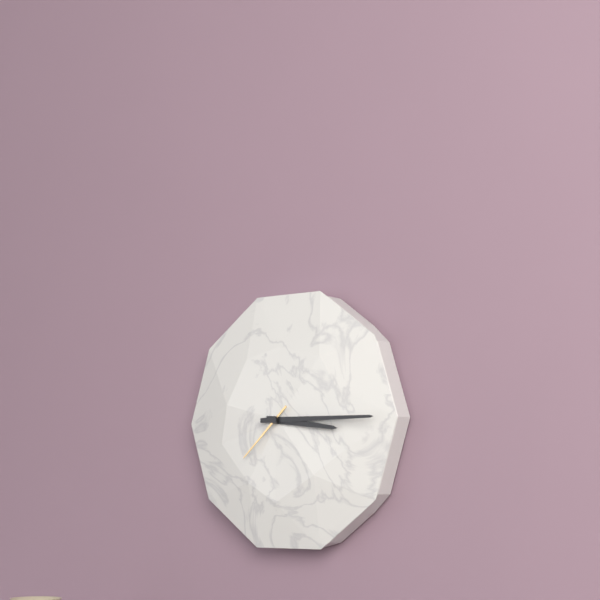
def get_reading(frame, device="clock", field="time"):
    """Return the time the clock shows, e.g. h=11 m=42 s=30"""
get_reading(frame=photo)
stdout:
h=3 m=15 s=38
